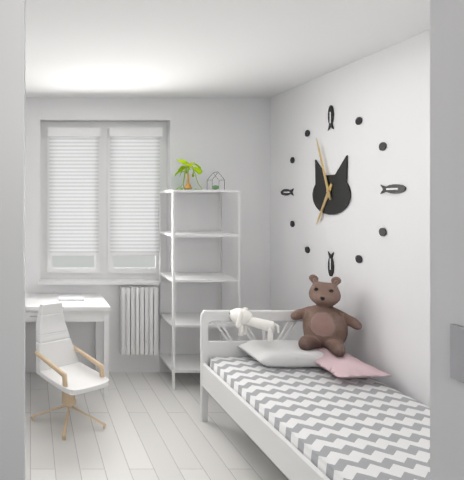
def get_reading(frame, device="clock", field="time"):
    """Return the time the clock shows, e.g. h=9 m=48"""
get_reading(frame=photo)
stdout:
h=6 m=57
